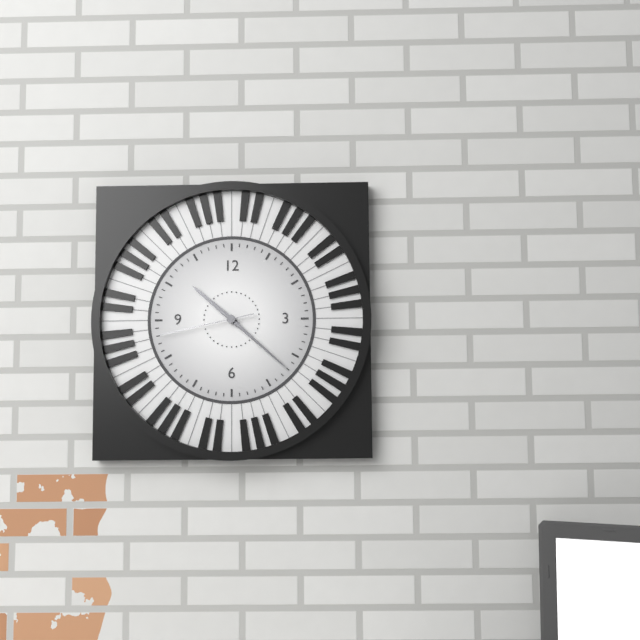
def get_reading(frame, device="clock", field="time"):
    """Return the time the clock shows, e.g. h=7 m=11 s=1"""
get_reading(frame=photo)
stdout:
h=10 m=22 s=43
